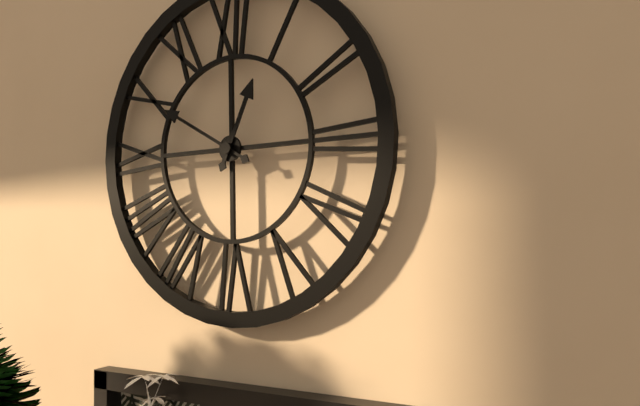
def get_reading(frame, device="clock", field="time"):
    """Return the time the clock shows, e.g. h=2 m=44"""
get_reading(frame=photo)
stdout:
h=12 m=50
